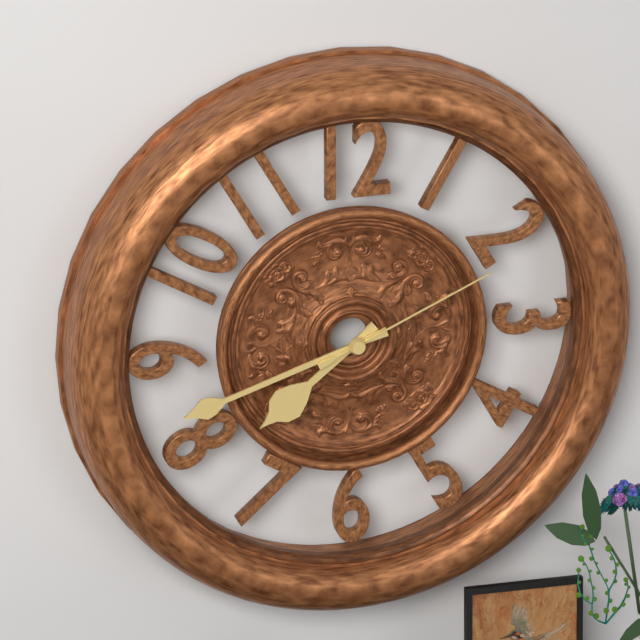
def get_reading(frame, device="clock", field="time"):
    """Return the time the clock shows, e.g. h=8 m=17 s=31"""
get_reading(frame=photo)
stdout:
h=7 m=42 s=11
